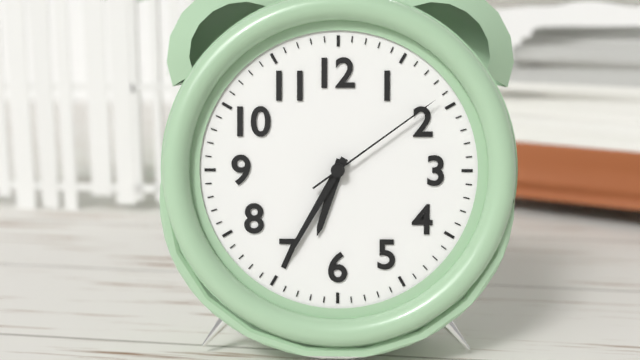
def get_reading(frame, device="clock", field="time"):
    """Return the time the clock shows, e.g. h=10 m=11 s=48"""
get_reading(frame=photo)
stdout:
h=6 m=35 s=9
